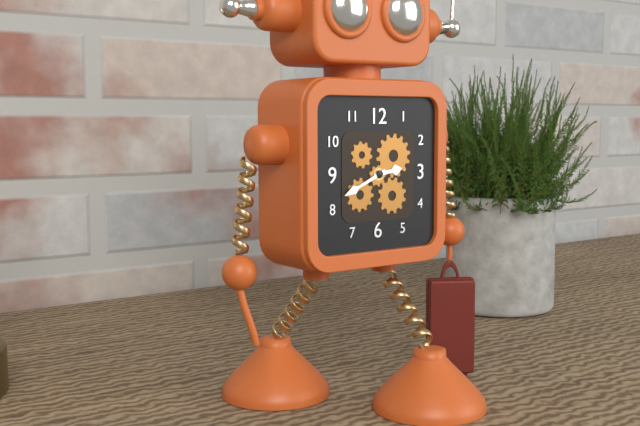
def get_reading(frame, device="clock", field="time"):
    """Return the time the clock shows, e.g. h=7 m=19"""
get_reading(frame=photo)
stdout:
h=2 m=41
